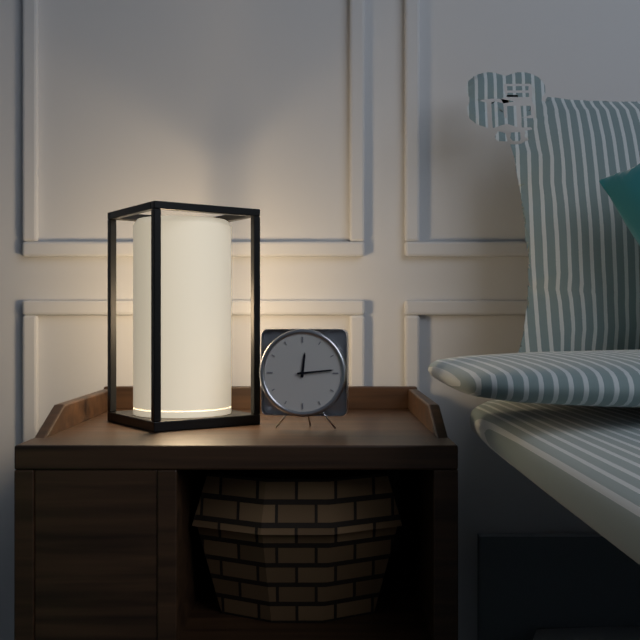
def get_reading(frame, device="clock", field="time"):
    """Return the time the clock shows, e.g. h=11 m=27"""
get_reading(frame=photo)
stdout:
h=12 m=14
